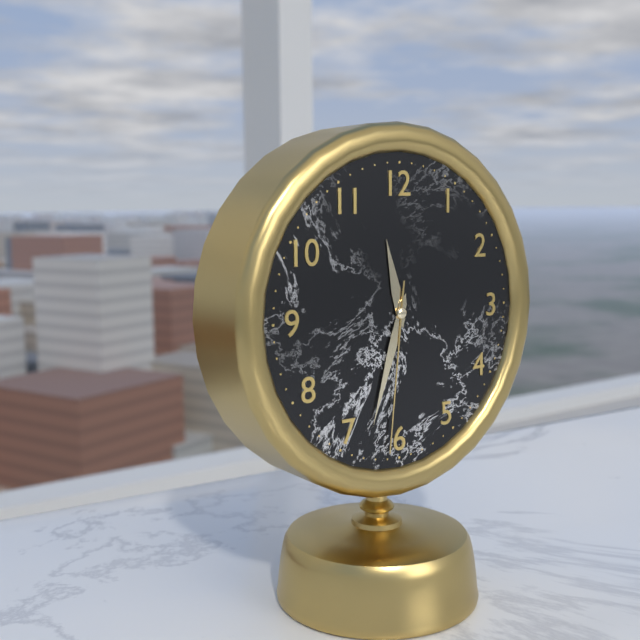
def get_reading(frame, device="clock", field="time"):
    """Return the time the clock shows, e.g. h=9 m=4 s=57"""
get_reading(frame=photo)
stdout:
h=11 m=33 s=31
